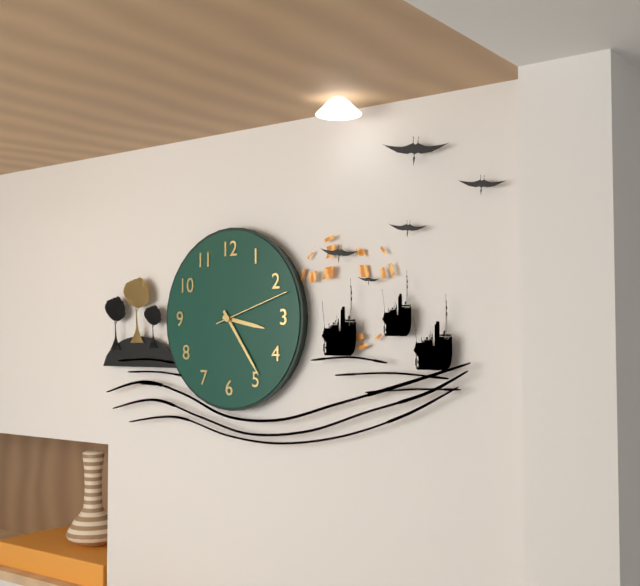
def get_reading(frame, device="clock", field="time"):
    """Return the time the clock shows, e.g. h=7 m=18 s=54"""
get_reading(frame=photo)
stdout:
h=3 m=24 s=12
